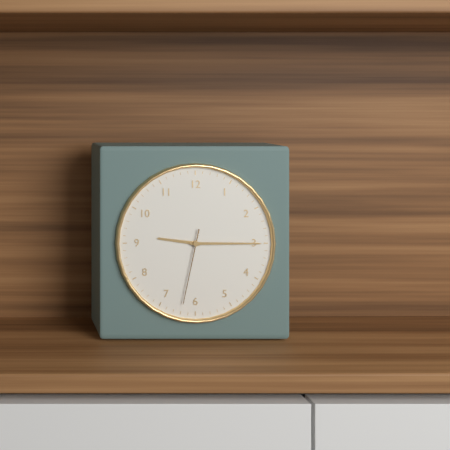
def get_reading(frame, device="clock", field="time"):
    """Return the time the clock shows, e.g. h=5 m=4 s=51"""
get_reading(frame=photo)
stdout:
h=9 m=15 s=32
